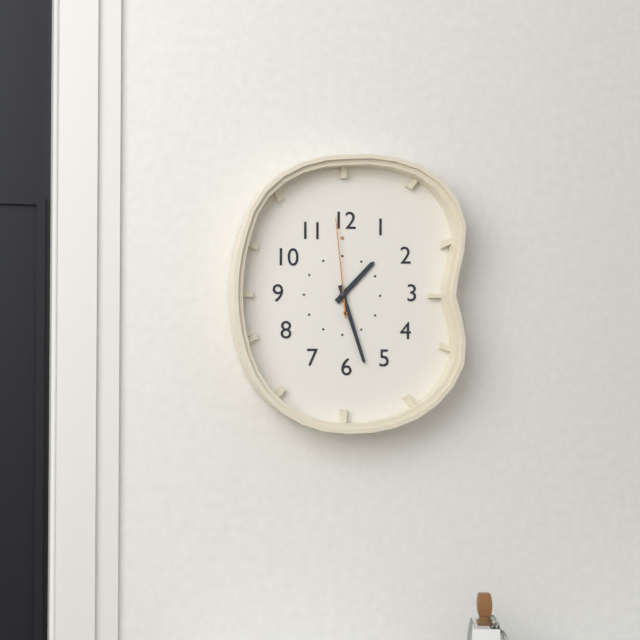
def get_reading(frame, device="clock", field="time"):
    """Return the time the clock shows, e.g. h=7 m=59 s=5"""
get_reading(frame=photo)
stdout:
h=1 m=27 s=59
